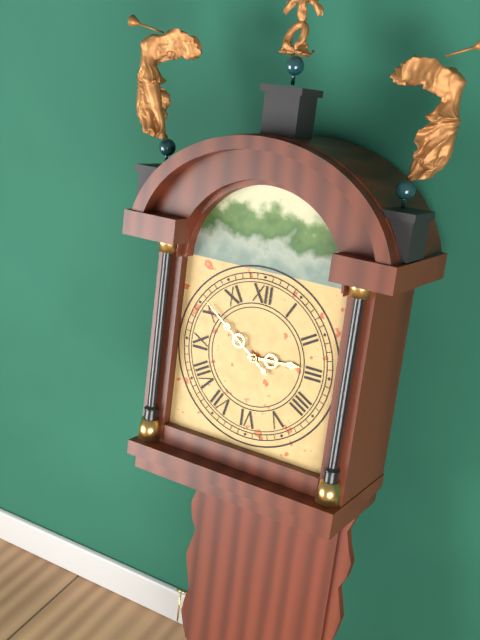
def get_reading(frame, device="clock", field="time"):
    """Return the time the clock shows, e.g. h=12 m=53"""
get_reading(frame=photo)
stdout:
h=2 m=51
